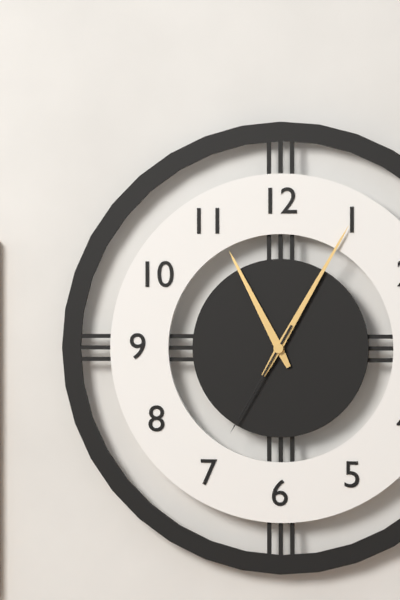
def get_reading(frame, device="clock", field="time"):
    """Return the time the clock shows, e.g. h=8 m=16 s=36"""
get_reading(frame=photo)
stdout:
h=11 m=5 s=35
